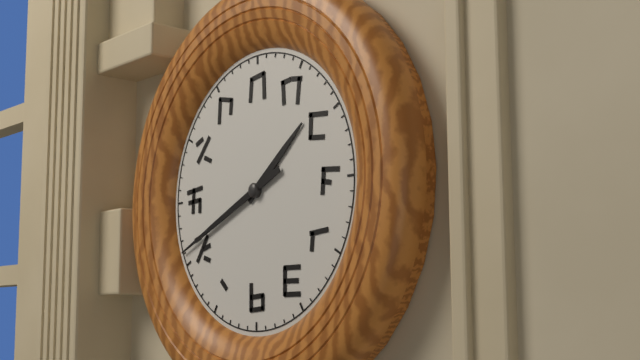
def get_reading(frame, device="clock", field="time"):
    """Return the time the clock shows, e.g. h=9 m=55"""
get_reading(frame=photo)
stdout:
h=1 m=41
